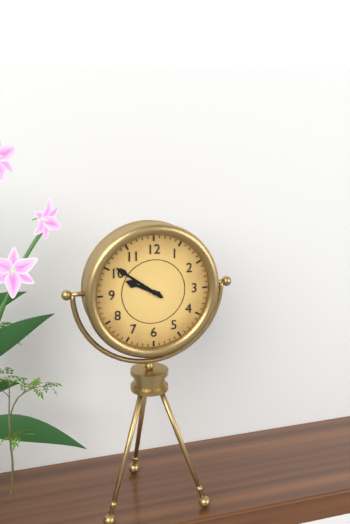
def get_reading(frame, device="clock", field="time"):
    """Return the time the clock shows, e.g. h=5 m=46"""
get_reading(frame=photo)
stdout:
h=9 m=51
